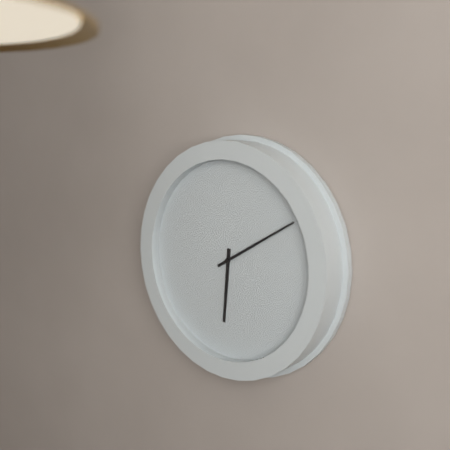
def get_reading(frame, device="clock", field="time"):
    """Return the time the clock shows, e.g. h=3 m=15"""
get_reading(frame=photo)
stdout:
h=6 m=10
